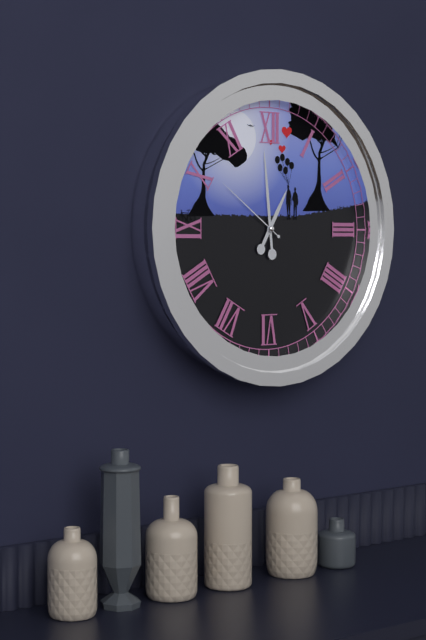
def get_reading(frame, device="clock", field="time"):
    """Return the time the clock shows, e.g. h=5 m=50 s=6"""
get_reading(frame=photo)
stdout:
h=12 m=59 s=51
